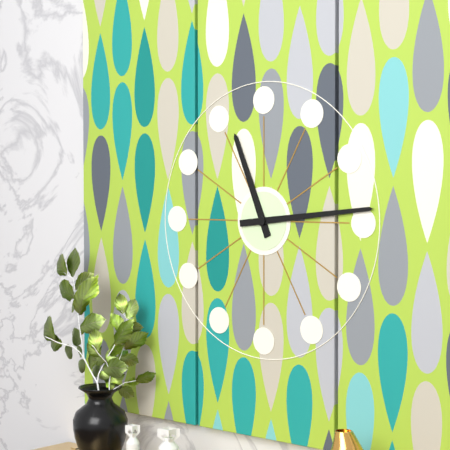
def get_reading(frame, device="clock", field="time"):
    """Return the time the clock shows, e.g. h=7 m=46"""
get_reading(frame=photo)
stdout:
h=11 m=14
